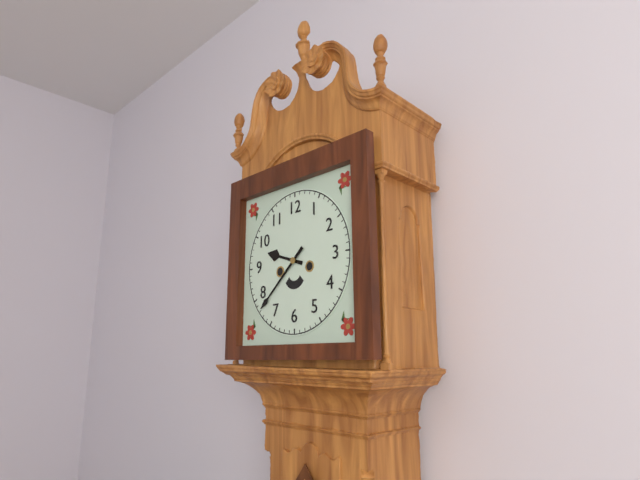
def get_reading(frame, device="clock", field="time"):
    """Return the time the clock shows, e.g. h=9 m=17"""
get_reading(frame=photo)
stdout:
h=9 m=38
